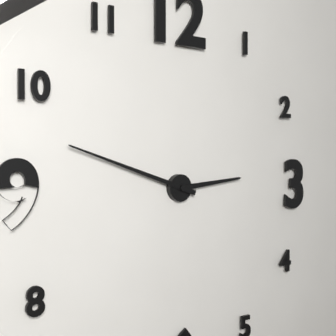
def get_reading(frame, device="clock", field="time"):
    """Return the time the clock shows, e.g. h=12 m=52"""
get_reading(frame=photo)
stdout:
h=2 m=48
